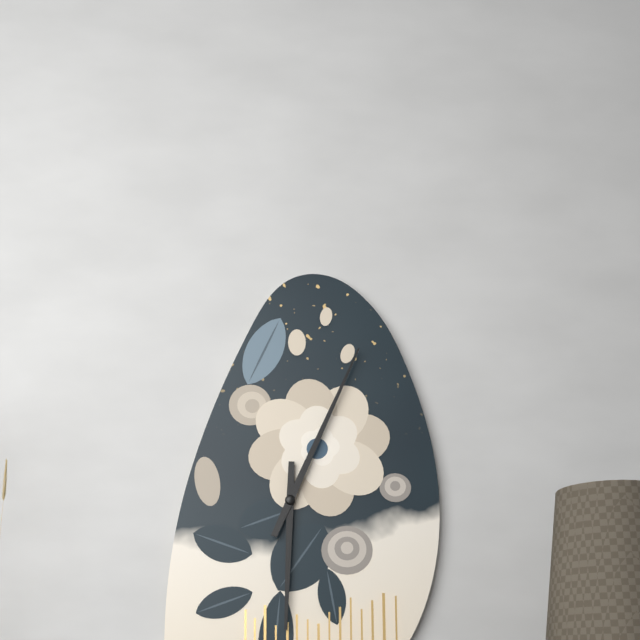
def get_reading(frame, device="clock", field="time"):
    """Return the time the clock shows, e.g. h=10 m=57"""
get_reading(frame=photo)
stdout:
h=6 m=4
